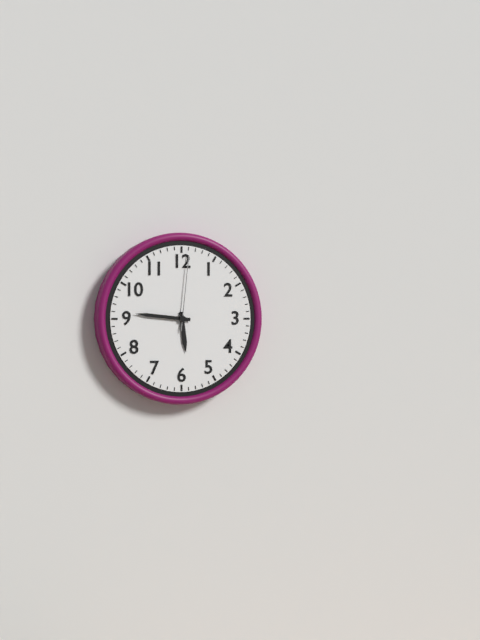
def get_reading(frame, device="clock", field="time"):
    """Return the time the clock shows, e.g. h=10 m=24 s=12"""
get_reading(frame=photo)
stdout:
h=5 m=46 s=1
